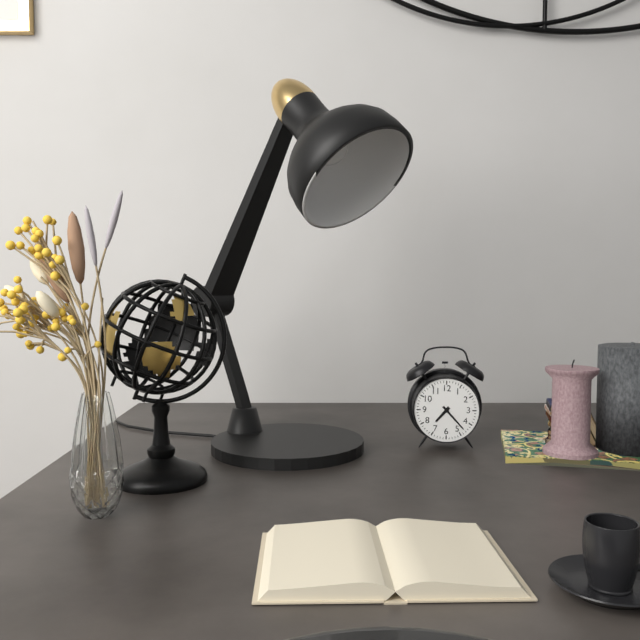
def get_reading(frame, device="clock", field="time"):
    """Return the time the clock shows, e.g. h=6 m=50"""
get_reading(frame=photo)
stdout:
h=7 m=23
